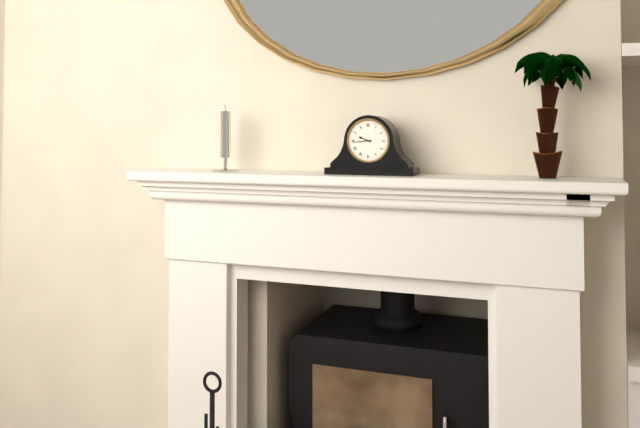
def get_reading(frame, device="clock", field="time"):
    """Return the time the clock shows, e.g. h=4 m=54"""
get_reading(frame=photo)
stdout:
h=9 m=44
